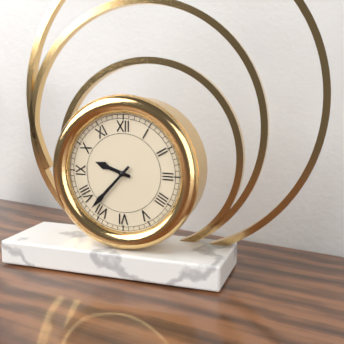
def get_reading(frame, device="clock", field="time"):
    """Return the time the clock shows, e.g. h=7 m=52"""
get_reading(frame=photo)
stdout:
h=9 m=37
